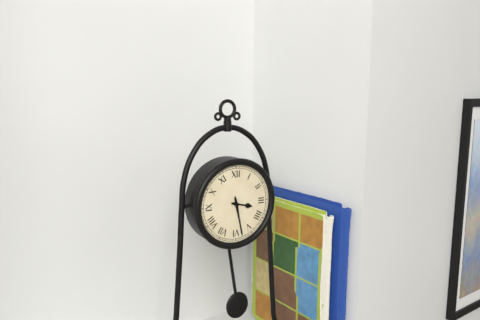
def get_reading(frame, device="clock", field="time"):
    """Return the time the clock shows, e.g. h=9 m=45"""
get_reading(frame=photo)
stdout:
h=3 m=28
